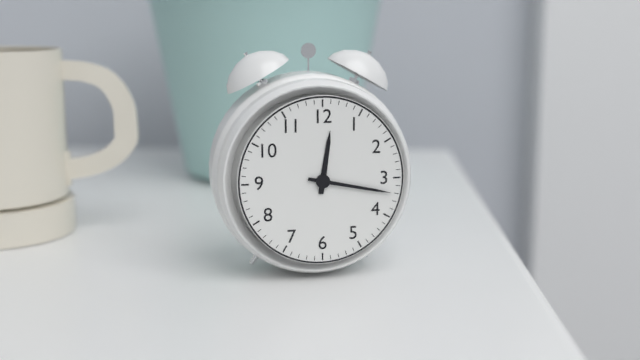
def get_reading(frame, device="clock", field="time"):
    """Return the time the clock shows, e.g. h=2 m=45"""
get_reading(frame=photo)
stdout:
h=12 m=17
